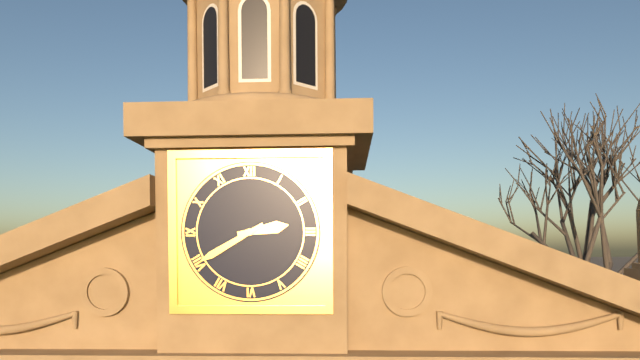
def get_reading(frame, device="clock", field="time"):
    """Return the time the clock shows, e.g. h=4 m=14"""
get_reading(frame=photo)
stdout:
h=2 m=40
